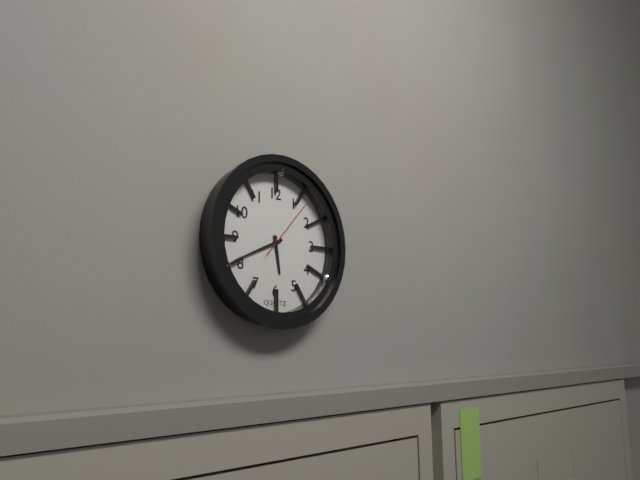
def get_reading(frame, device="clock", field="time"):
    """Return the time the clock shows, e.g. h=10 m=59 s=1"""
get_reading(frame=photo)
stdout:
h=5 m=41 s=7
